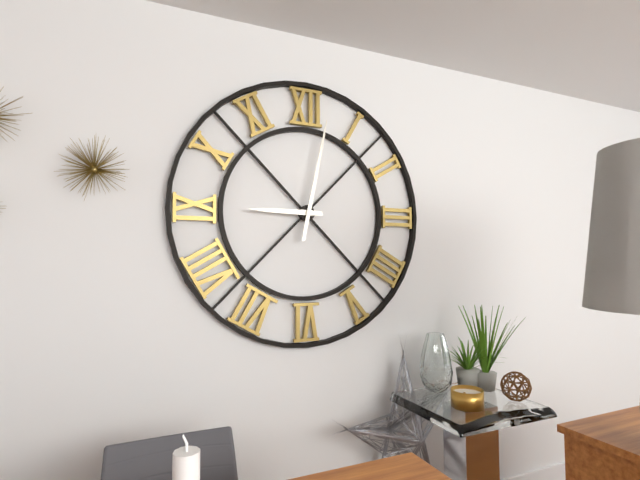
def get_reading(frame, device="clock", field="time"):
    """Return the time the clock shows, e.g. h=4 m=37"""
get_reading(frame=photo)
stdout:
h=9 m=2
